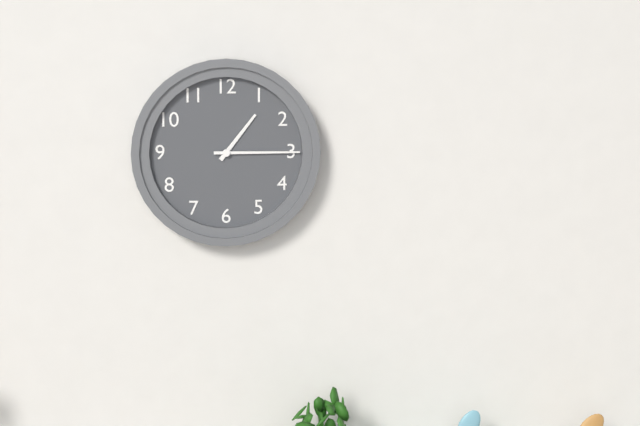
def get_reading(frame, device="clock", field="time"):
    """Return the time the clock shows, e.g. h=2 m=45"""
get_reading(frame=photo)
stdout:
h=1 m=15
